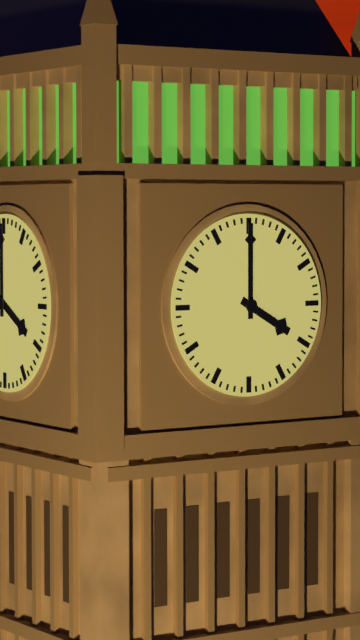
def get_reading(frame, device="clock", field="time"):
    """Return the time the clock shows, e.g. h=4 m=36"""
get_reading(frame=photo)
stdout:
h=4 m=0
